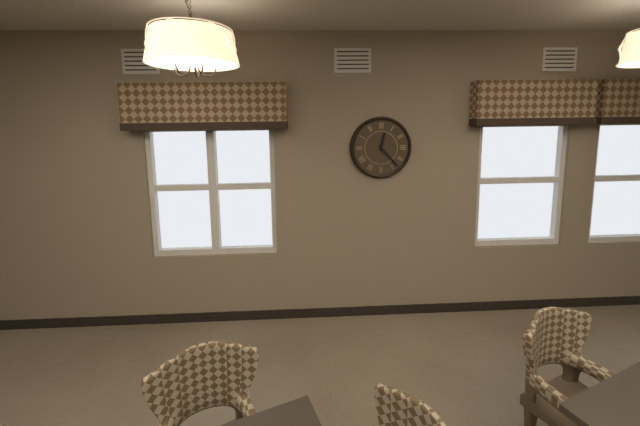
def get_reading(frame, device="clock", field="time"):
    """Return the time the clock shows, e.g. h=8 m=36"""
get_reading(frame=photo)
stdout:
h=12 m=23
